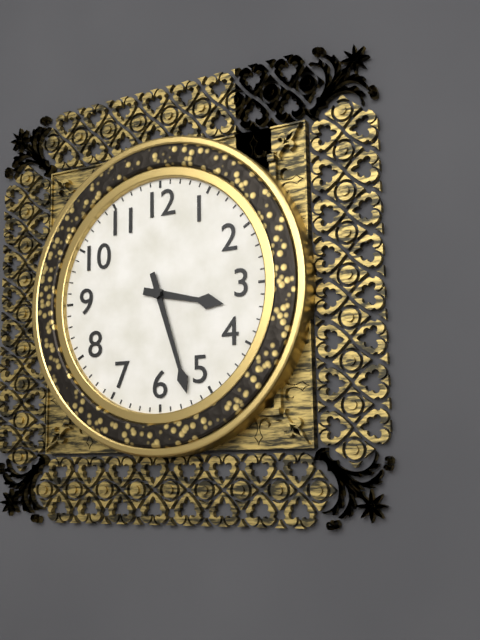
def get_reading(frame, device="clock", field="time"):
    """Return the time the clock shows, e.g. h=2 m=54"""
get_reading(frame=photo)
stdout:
h=3 m=27
